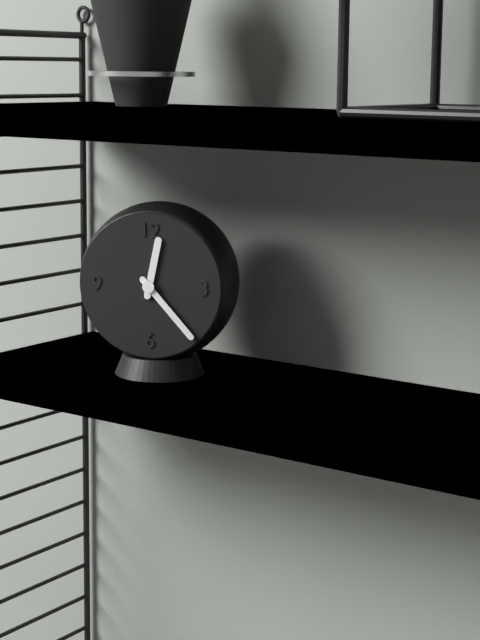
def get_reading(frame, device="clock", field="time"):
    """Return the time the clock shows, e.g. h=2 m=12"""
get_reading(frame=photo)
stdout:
h=12 m=23
